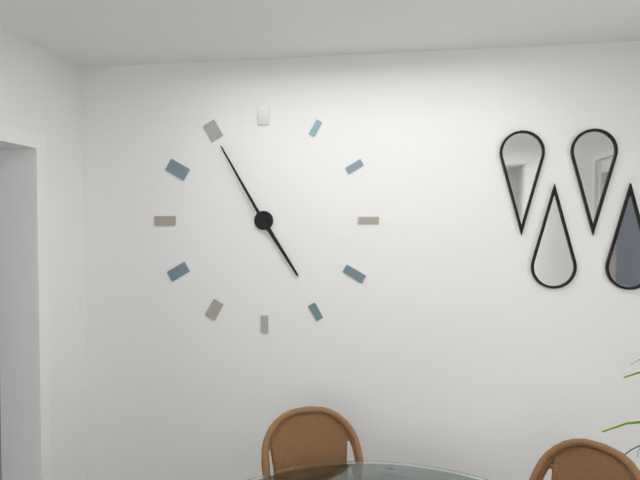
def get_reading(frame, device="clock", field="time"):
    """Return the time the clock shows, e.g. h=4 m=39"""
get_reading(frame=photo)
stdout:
h=4 m=55
